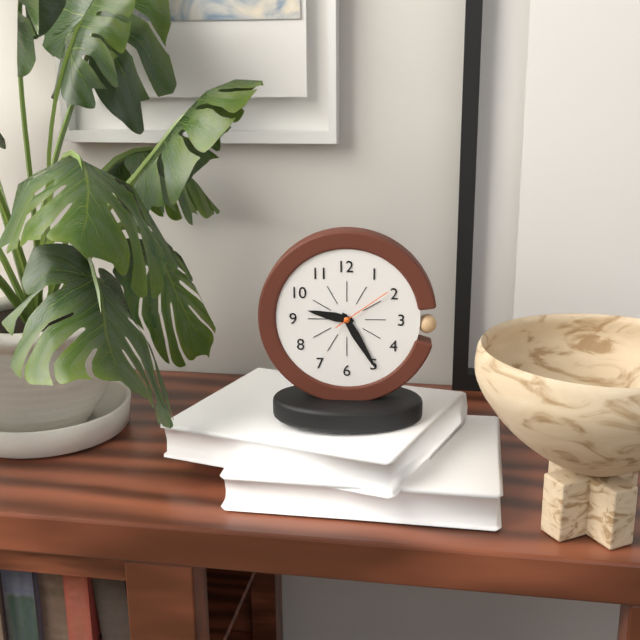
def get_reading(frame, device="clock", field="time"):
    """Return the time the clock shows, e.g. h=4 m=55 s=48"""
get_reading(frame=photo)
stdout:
h=9 m=25 s=9
